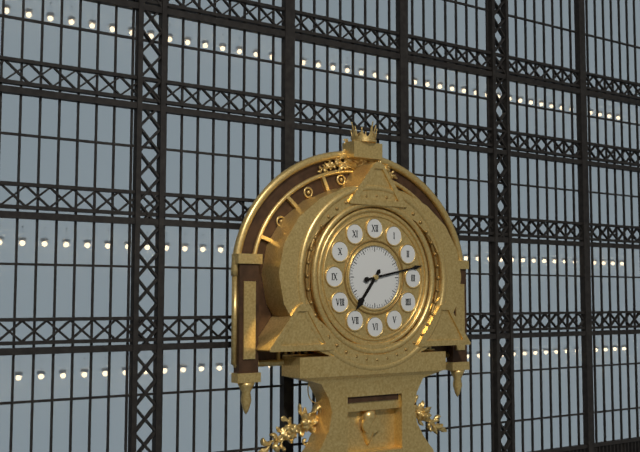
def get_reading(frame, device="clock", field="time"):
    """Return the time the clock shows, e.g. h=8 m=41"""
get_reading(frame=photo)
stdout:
h=7 m=13
